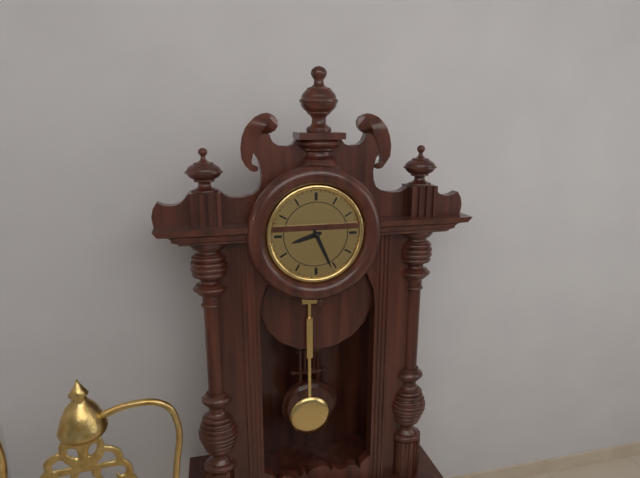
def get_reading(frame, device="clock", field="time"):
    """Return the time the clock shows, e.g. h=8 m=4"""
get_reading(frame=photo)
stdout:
h=8 m=26
